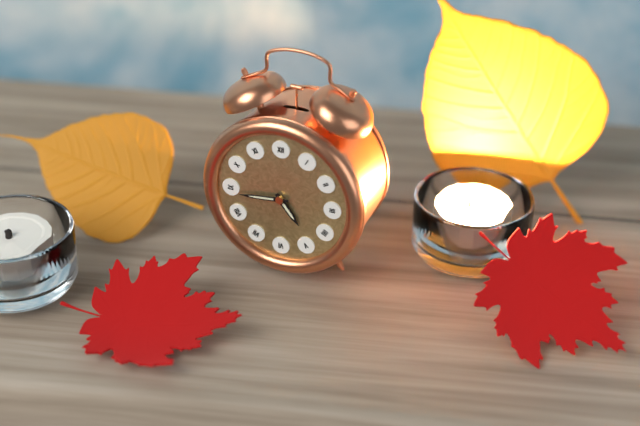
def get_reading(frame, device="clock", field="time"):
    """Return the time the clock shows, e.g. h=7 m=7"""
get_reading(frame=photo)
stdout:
h=4 m=44
